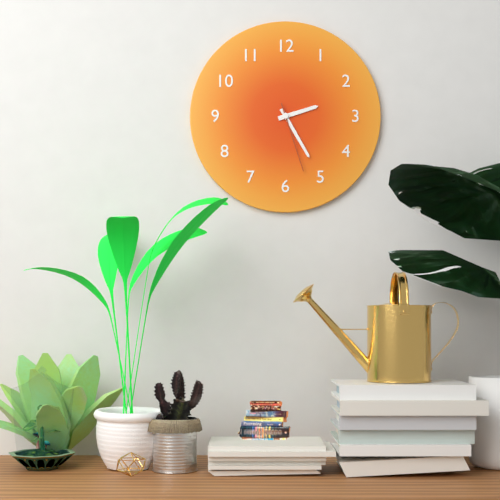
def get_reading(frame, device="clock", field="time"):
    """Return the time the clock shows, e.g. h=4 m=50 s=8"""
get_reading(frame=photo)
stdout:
h=2 m=25 s=27
